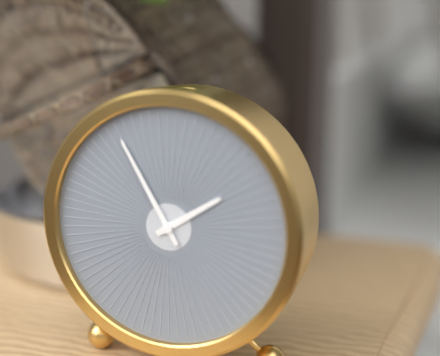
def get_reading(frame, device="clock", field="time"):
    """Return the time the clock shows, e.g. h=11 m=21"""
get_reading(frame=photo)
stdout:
h=1 m=55
